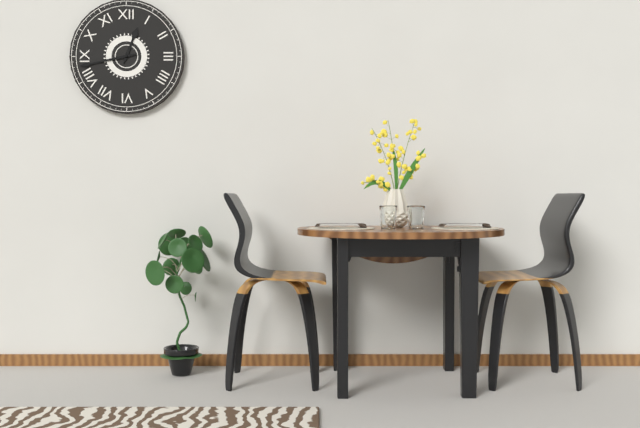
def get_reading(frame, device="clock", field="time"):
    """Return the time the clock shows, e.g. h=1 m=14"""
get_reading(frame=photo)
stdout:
h=12 m=43
